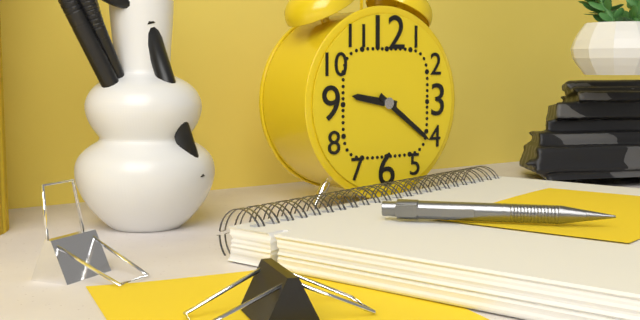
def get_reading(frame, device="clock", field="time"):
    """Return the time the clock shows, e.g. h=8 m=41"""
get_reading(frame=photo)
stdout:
h=9 m=21
